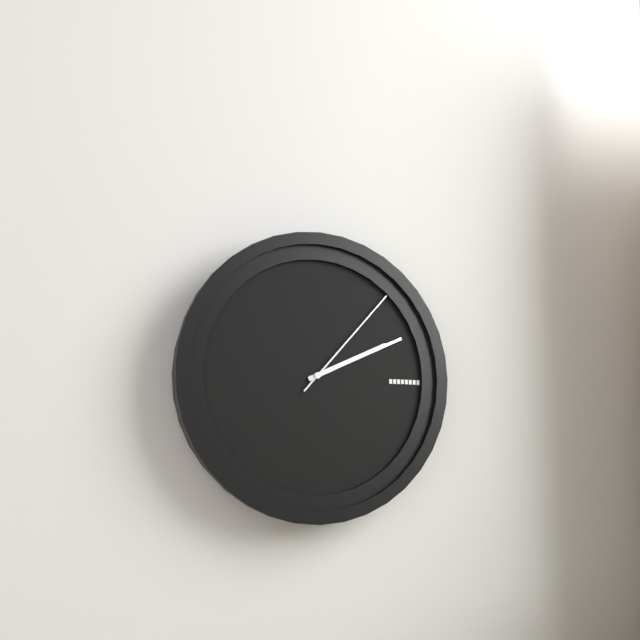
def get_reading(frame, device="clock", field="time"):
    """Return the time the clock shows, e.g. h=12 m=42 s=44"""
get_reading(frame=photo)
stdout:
h=2 m=11 s=7
